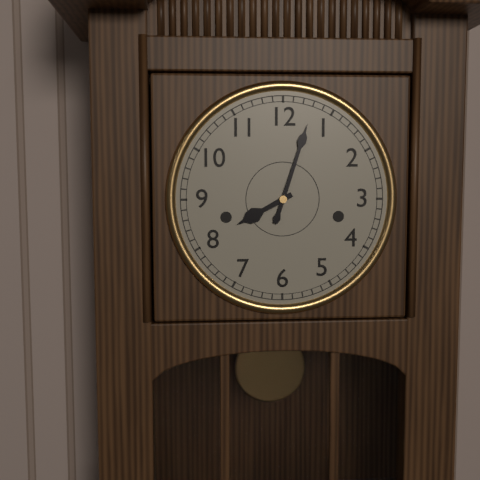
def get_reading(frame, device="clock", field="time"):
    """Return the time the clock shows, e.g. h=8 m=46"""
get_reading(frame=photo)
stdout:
h=8 m=3
